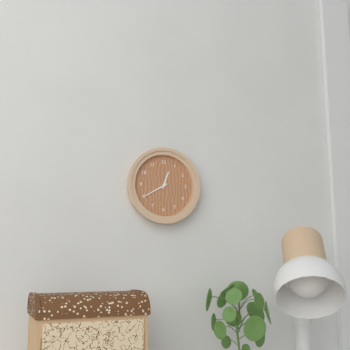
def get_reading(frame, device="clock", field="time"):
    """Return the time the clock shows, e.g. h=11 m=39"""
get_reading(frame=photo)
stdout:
h=12 m=40
